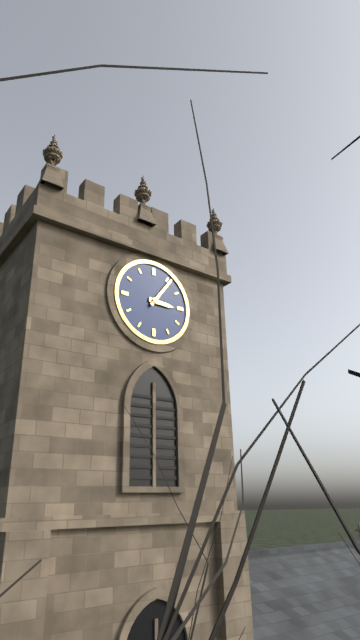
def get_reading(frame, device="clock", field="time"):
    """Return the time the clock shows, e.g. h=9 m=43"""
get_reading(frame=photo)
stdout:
h=3 m=6
